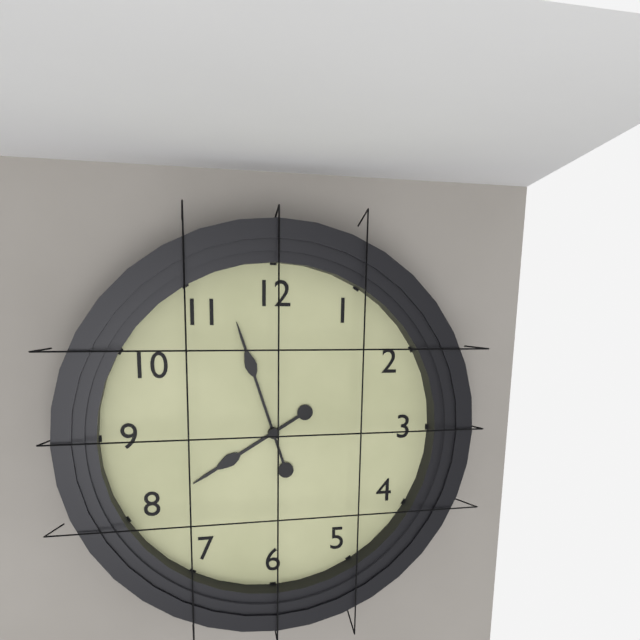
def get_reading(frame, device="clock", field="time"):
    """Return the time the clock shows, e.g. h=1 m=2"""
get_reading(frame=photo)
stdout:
h=7 m=57
